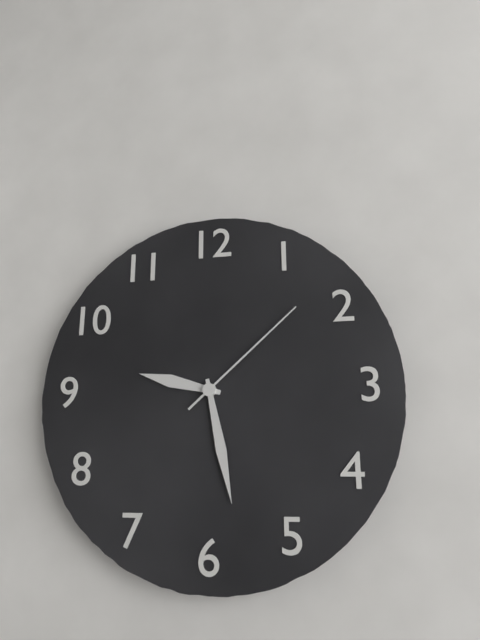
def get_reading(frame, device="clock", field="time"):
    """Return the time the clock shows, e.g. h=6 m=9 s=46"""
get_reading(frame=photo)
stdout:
h=9 m=28 s=8
